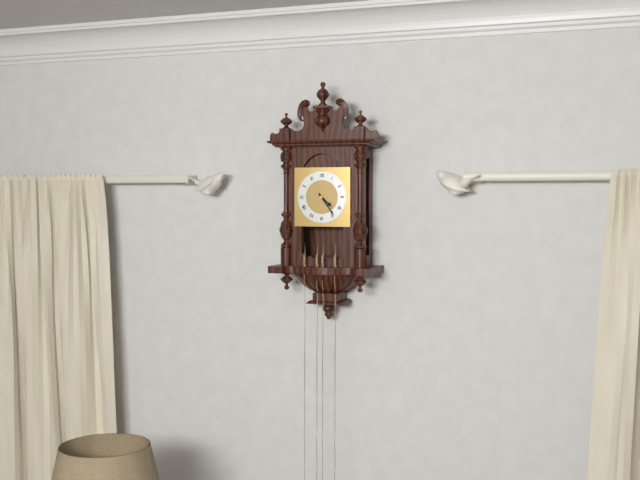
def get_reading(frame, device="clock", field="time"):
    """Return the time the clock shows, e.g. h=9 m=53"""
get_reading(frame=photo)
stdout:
h=4 m=24
